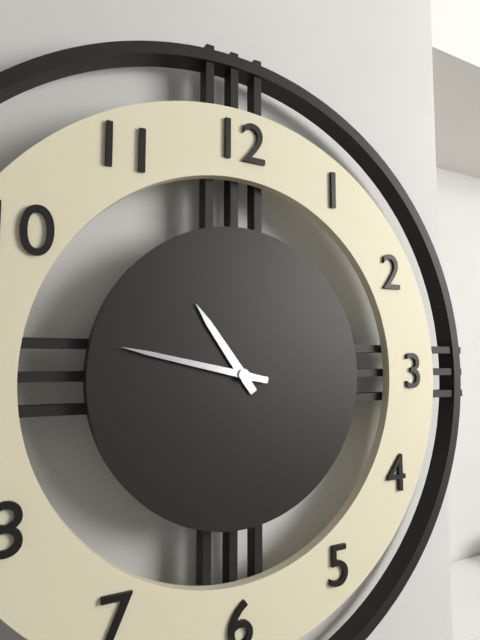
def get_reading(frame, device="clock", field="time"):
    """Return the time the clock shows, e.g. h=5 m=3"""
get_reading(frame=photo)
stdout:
h=10 m=47
